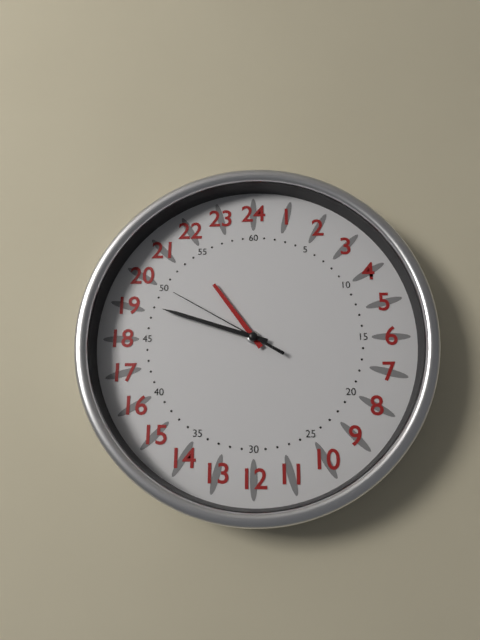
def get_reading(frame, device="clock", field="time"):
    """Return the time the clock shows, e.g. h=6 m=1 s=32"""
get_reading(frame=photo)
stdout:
h=10 m=48 s=50
